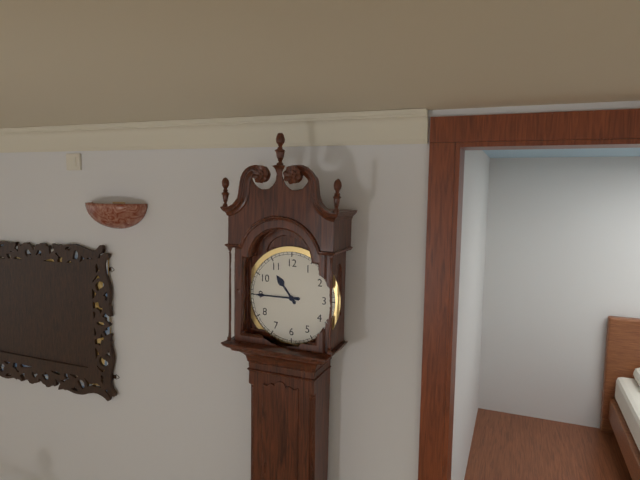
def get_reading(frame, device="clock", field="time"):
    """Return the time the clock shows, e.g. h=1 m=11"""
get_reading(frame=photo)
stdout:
h=10 m=45
